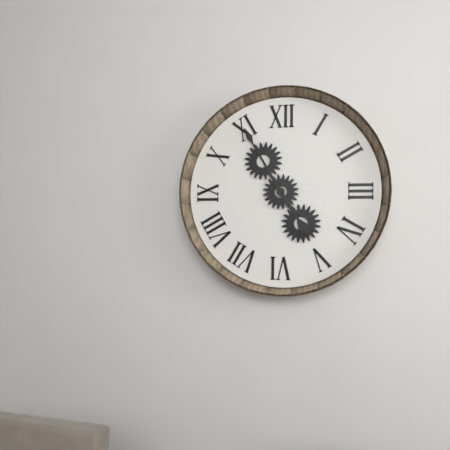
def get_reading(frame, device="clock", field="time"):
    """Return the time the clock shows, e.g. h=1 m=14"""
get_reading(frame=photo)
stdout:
h=4 m=55
